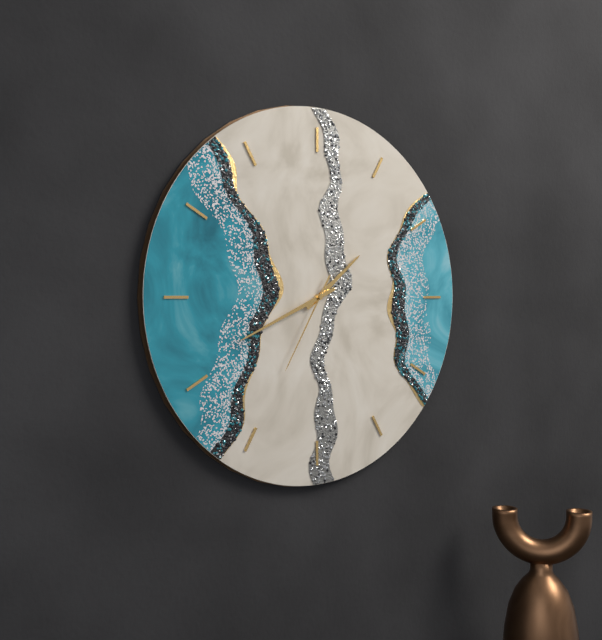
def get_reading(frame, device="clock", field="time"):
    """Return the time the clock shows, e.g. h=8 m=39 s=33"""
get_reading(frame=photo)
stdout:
h=1 m=41 s=35
